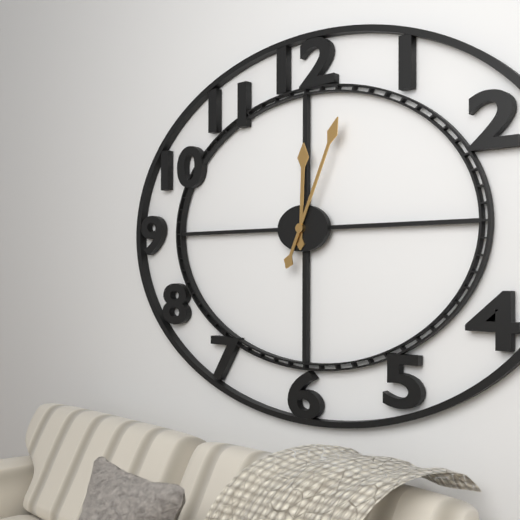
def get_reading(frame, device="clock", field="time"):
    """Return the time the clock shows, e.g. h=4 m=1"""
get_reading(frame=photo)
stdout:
h=12 m=4
